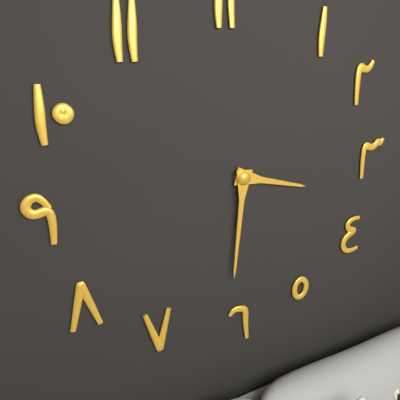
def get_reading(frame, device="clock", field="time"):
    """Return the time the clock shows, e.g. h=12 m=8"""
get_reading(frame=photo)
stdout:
h=3 m=31
